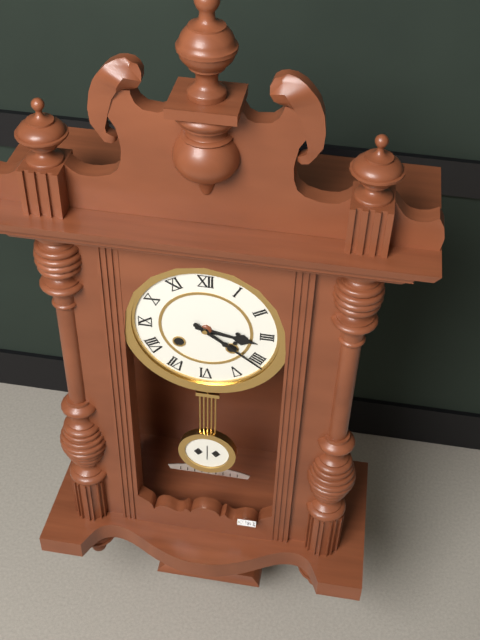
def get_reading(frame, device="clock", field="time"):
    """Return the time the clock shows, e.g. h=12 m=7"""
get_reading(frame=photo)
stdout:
h=3 m=21
